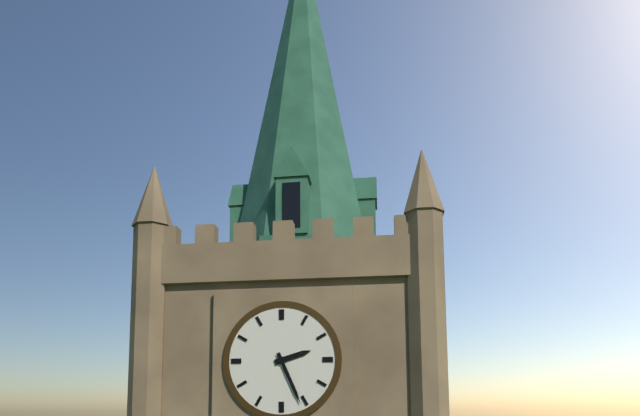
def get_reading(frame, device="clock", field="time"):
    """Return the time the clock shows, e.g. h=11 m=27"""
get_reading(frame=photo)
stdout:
h=2 m=26
